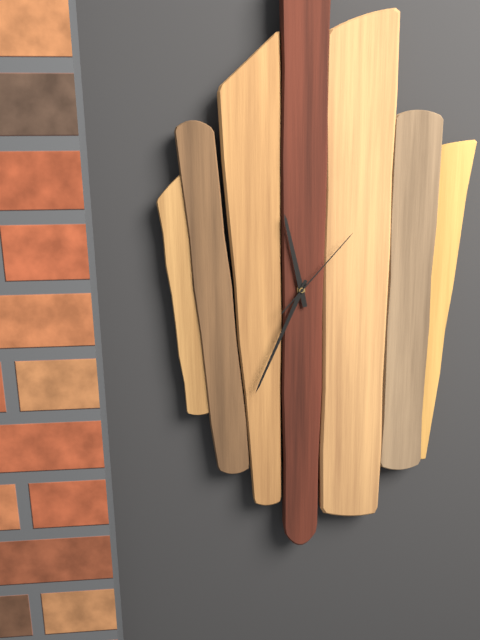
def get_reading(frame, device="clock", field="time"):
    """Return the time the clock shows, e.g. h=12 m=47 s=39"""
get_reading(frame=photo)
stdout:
h=11 m=34 s=7
